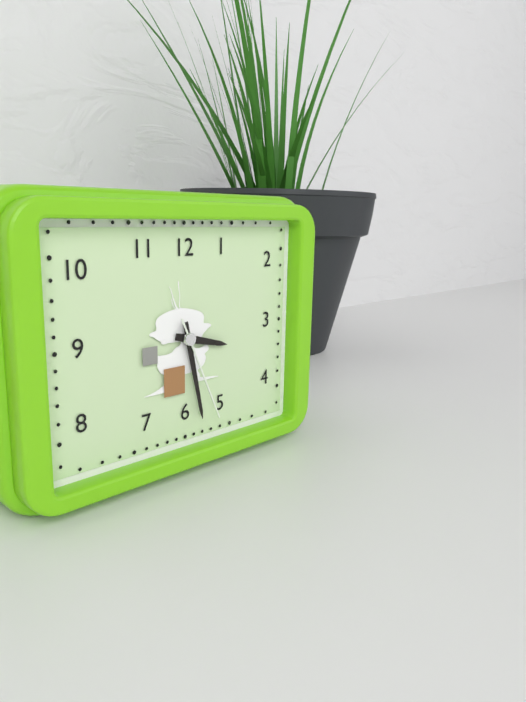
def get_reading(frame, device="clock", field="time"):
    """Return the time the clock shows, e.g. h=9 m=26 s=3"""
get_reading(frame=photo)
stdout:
h=3 m=28 s=26
